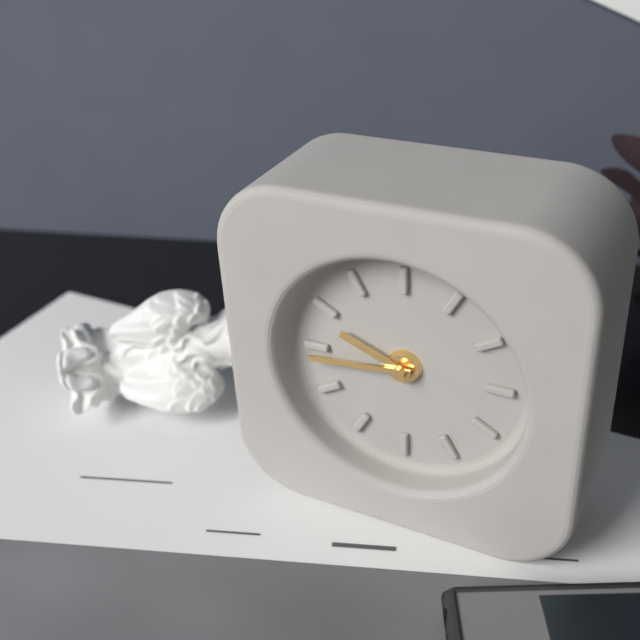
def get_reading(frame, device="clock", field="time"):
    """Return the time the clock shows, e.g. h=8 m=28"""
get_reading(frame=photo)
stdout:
h=9 m=44
